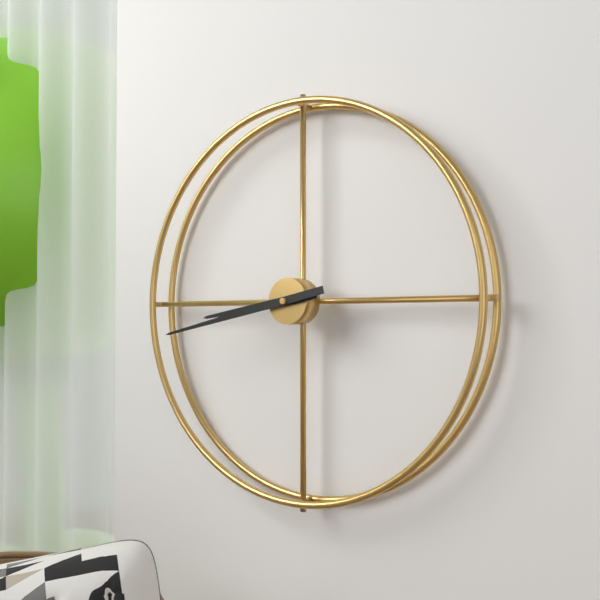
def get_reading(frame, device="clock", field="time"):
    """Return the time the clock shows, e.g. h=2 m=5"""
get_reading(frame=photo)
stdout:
h=8 m=43
